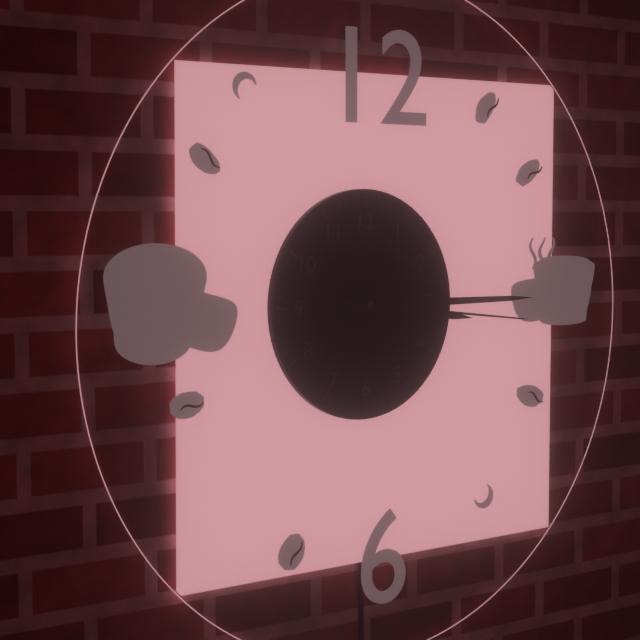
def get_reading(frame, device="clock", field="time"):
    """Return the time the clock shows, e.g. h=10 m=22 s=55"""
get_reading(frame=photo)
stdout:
h=3 m=15 s=16
